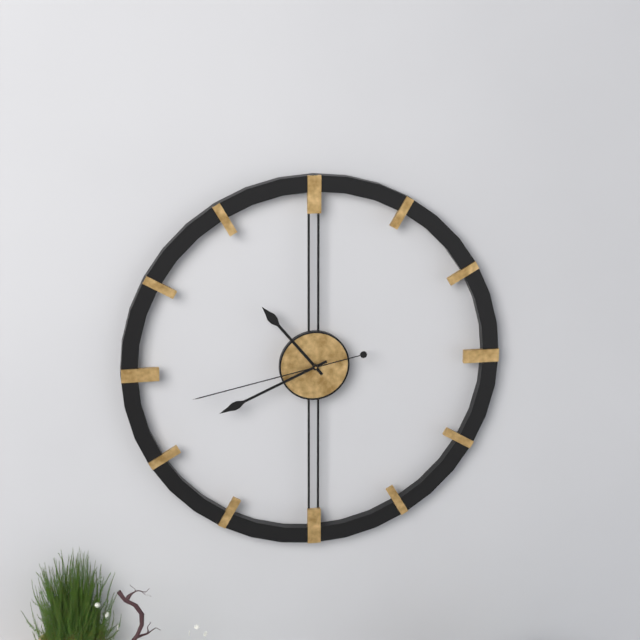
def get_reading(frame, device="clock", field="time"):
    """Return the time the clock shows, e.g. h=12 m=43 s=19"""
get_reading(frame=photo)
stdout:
h=10 m=41 s=43
